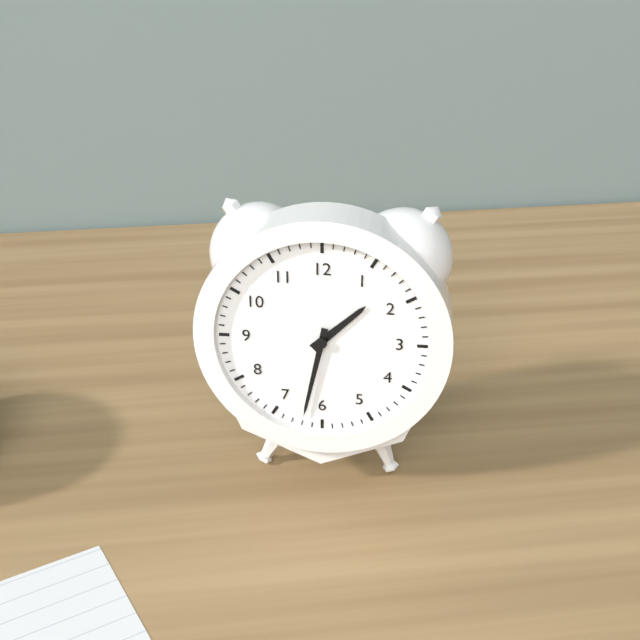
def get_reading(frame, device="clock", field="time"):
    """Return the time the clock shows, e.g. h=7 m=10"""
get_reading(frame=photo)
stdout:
h=1 m=32
